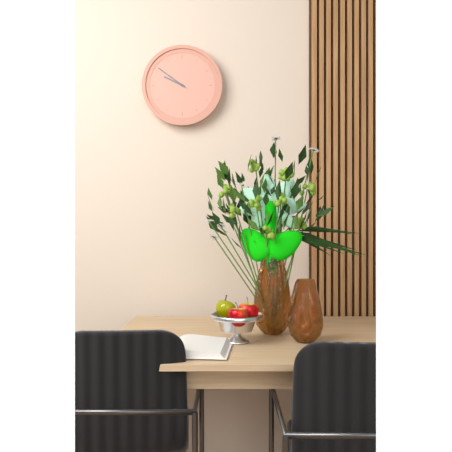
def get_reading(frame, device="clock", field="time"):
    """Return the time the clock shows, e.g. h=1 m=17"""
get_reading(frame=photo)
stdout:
h=9 m=51
